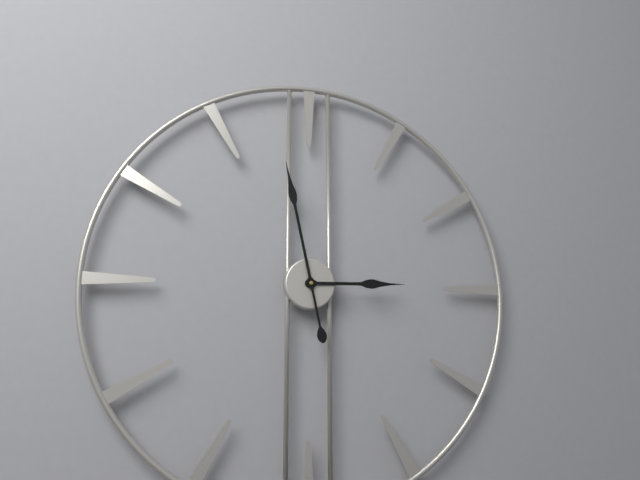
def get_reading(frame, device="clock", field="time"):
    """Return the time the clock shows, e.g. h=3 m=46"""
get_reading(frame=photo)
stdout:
h=2 m=58
